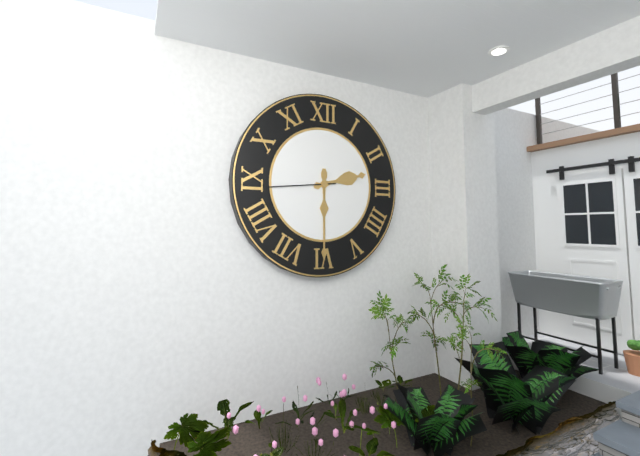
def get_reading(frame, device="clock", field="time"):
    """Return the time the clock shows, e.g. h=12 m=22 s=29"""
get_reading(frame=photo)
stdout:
h=2 m=30 s=44
